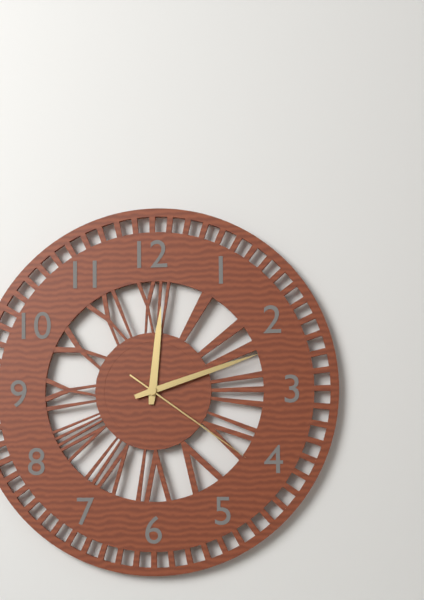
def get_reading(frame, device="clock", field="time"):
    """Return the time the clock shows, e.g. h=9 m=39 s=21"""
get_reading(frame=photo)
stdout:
h=12 m=12 s=21
